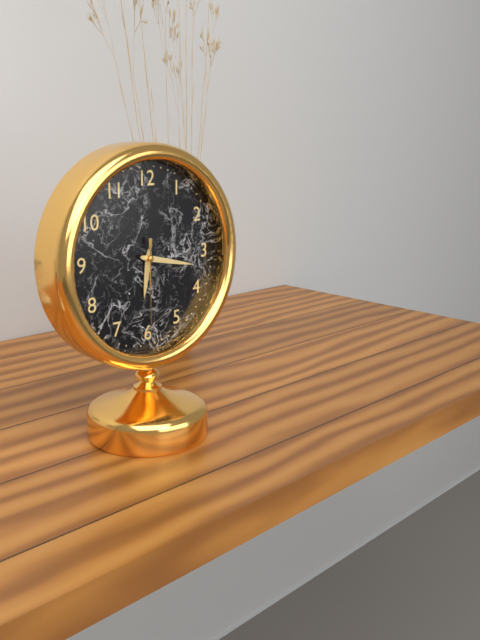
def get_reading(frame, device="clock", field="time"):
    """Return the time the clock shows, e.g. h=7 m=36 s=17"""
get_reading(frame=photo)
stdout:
h=6 m=17 s=30
